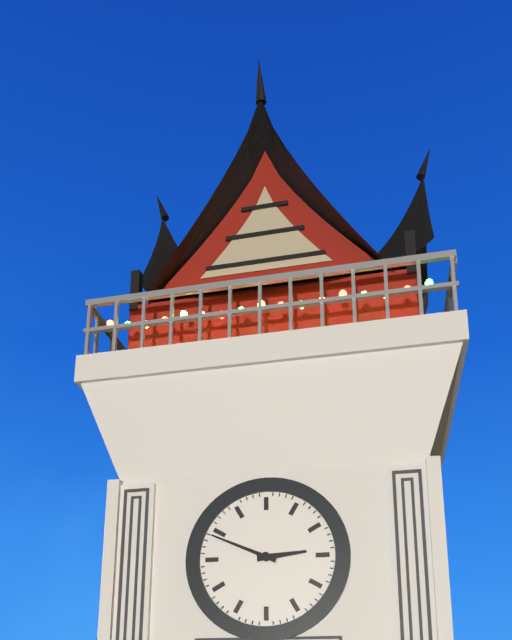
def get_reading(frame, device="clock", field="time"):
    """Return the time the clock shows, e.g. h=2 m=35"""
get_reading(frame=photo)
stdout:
h=2 m=49
